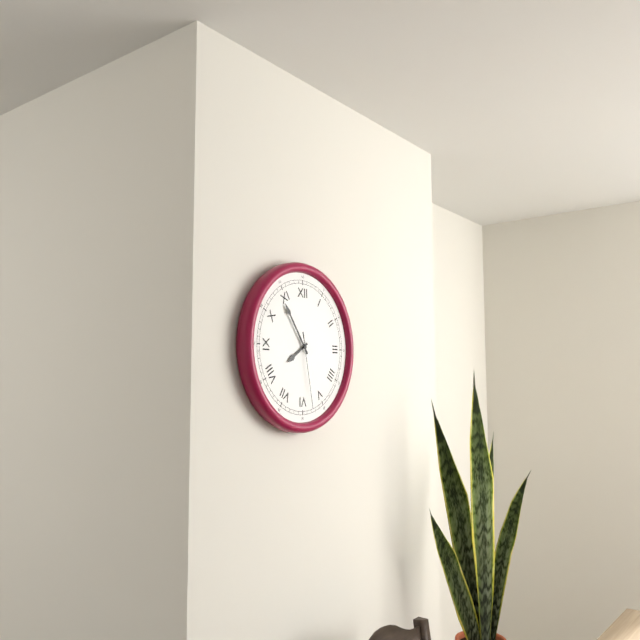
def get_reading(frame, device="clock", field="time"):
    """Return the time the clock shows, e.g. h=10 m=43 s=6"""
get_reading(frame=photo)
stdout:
h=7 m=54 s=28
